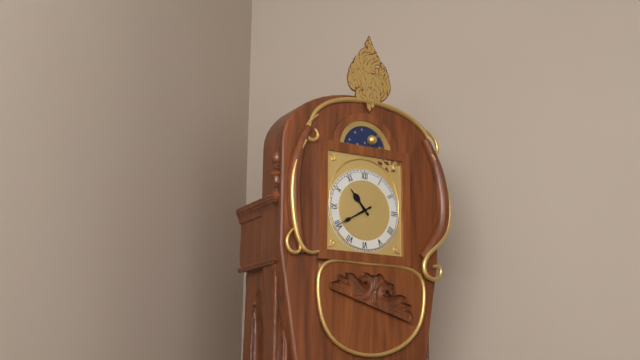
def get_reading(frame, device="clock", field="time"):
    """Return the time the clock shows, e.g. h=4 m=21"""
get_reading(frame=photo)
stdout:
h=10 m=40
